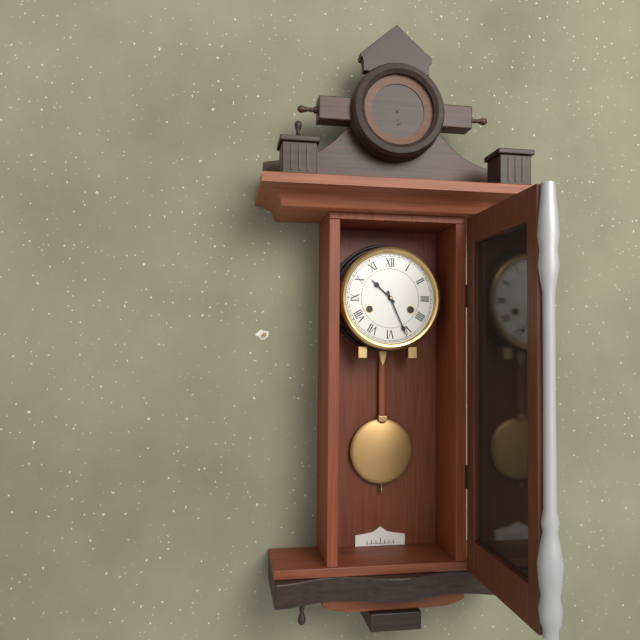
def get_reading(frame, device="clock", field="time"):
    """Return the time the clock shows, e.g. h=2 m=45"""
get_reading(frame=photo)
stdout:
h=10 m=26
